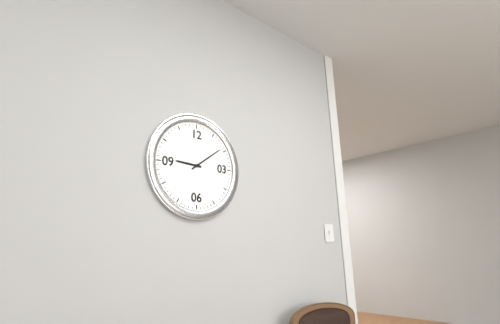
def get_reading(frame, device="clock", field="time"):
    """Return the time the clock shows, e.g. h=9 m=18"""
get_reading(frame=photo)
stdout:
h=9 m=9
